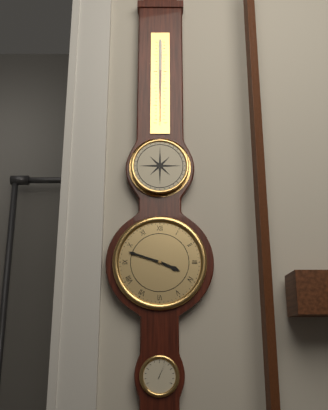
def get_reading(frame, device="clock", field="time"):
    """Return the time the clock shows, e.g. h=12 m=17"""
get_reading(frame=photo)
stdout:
h=3 m=48
